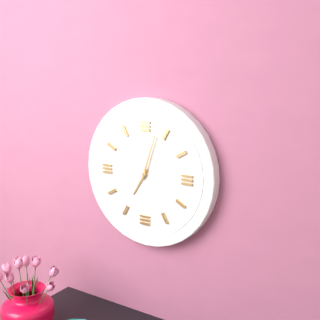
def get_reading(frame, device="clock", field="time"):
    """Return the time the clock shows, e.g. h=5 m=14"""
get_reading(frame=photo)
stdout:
h=7 m=3
